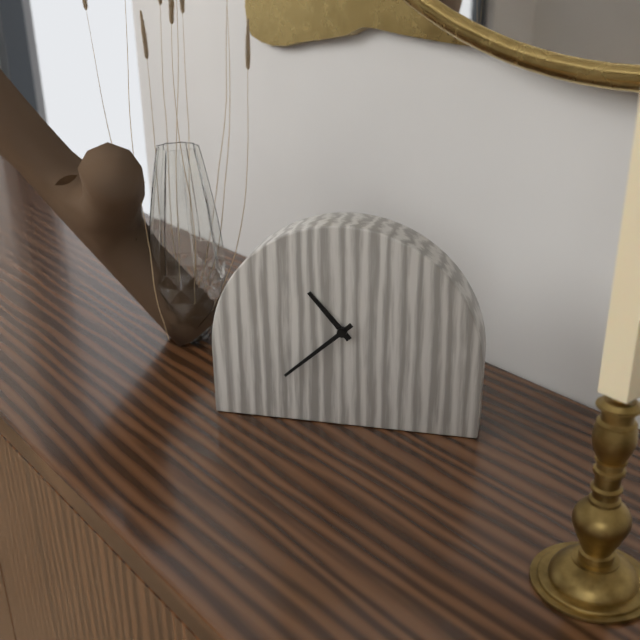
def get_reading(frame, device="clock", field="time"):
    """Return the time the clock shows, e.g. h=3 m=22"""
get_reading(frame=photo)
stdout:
h=10 m=38
